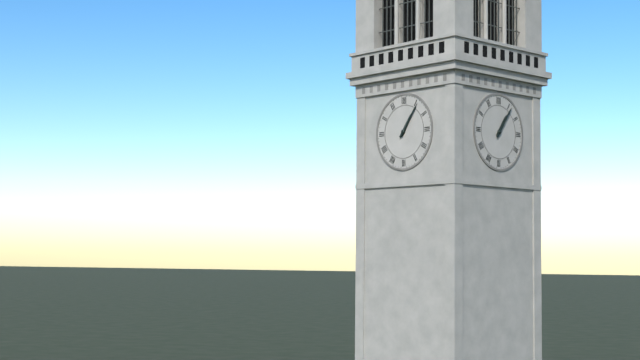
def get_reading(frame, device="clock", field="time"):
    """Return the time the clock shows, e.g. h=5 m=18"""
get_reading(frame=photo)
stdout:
h=1 m=6
